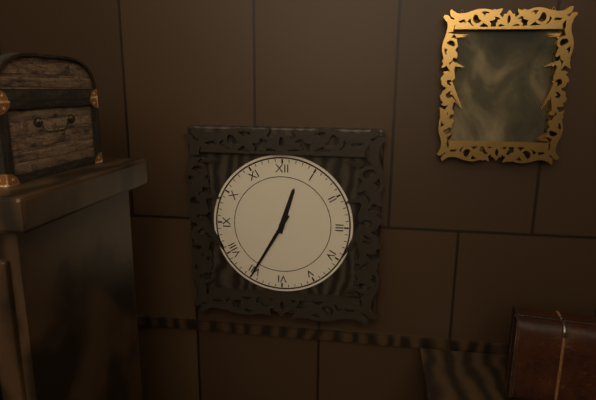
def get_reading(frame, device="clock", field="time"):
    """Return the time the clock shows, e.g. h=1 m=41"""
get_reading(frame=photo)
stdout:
h=12 m=35
